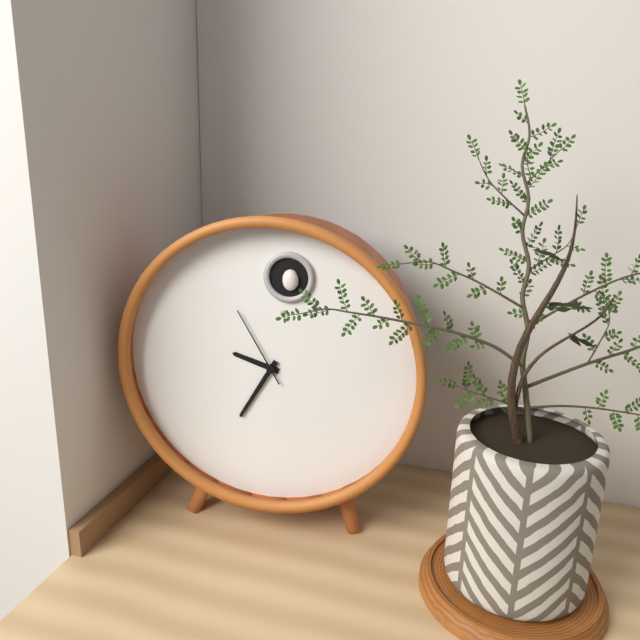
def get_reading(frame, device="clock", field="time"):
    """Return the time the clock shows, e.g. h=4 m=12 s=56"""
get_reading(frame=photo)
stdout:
h=9 m=35 s=55
